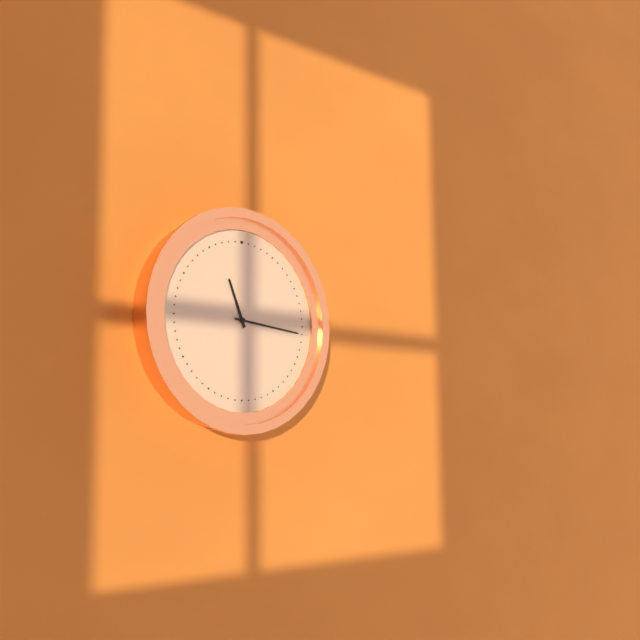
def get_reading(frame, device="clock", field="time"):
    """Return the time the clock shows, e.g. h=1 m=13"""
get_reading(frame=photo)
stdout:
h=11 m=16
